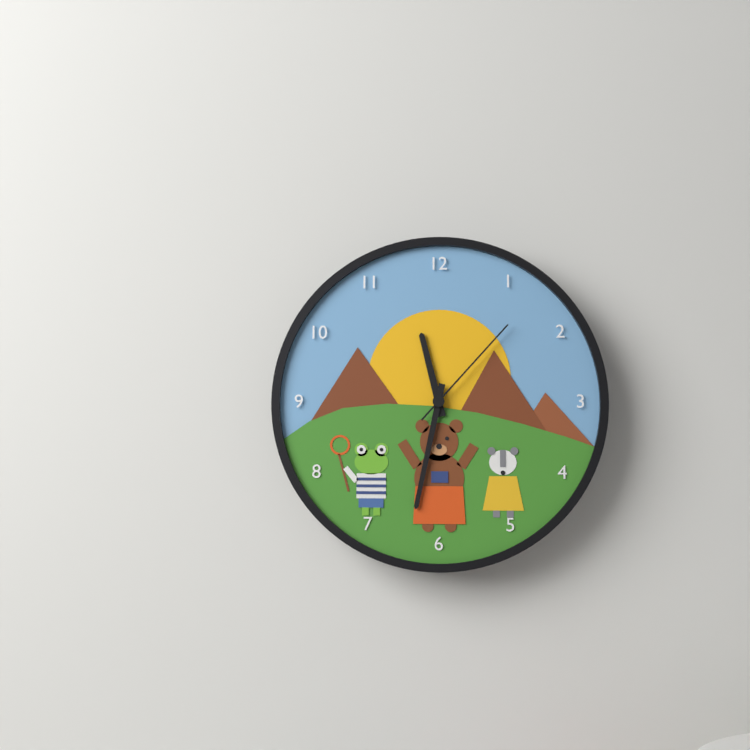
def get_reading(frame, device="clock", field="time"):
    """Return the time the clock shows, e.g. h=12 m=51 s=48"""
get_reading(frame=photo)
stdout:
h=11 m=32 s=7
